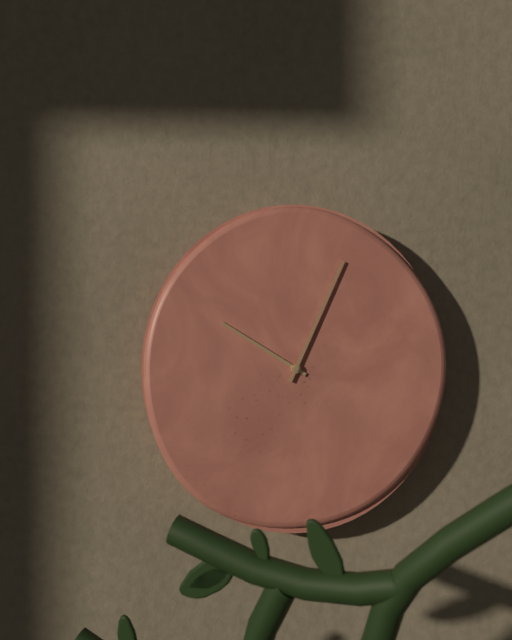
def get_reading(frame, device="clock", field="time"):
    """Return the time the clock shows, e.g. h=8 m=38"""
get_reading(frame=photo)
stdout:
h=10 m=4
